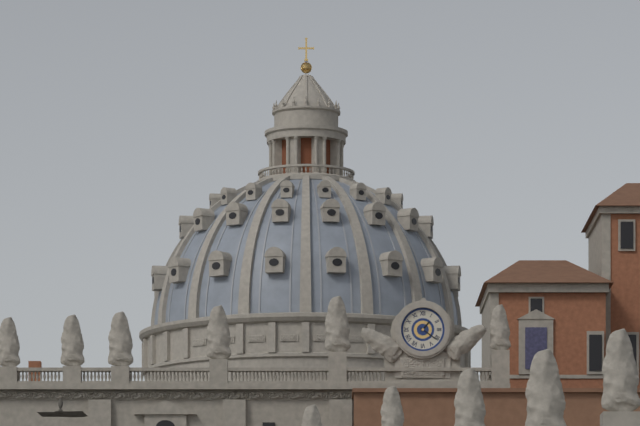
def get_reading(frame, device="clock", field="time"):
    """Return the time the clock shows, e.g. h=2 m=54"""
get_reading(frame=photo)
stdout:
h=1 m=21
